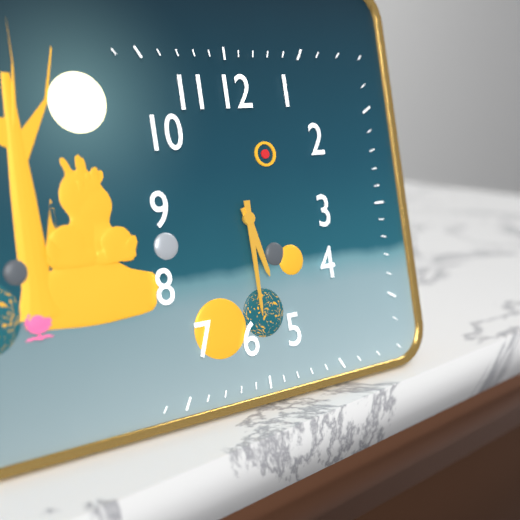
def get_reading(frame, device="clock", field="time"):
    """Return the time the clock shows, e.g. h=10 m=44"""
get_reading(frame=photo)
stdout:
h=5 m=30
